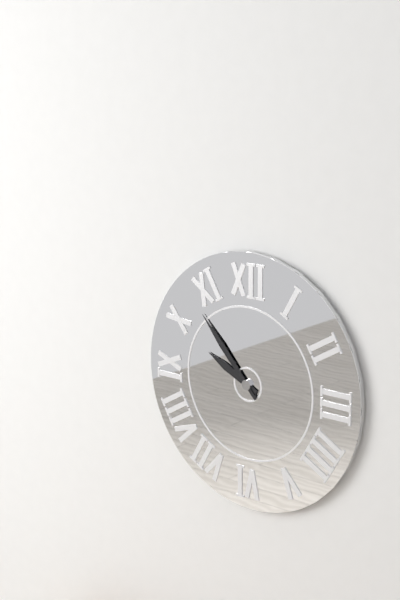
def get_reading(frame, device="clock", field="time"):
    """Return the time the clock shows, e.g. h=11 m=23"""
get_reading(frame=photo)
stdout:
h=9 m=53
